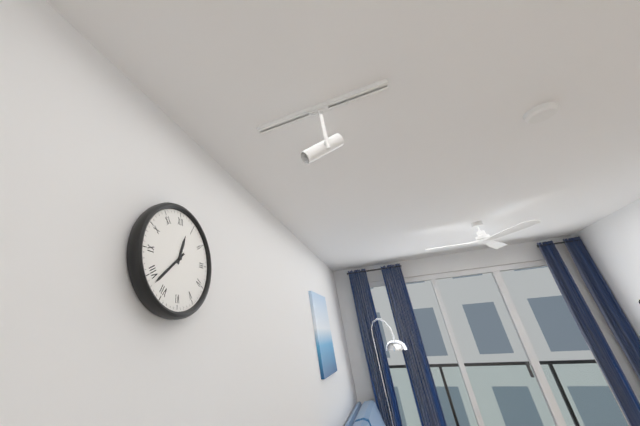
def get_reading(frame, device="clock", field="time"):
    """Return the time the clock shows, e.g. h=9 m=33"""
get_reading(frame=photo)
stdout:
h=12 m=38
